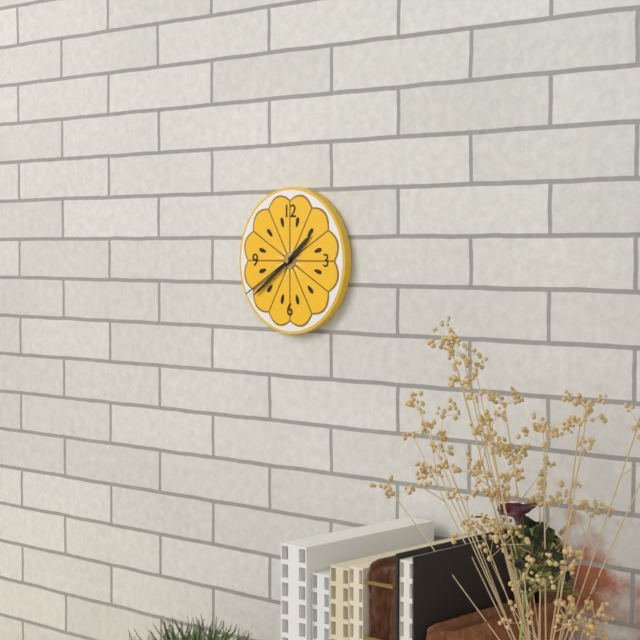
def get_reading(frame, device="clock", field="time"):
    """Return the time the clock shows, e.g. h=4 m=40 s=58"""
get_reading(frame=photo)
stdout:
h=1 m=39 s=40
